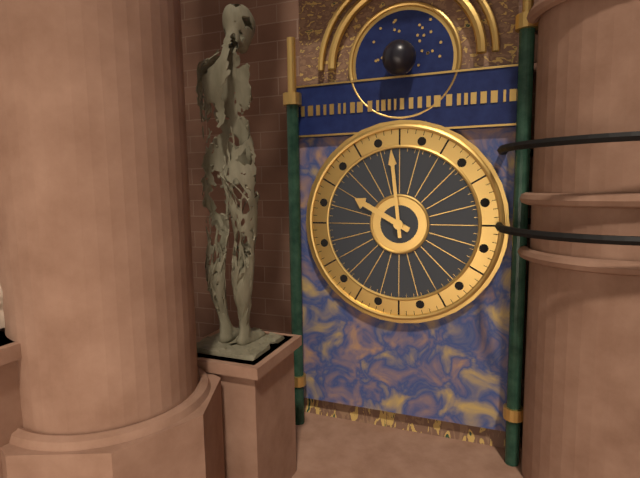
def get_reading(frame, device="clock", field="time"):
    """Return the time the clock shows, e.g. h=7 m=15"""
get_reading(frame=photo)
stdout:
h=9 m=59
